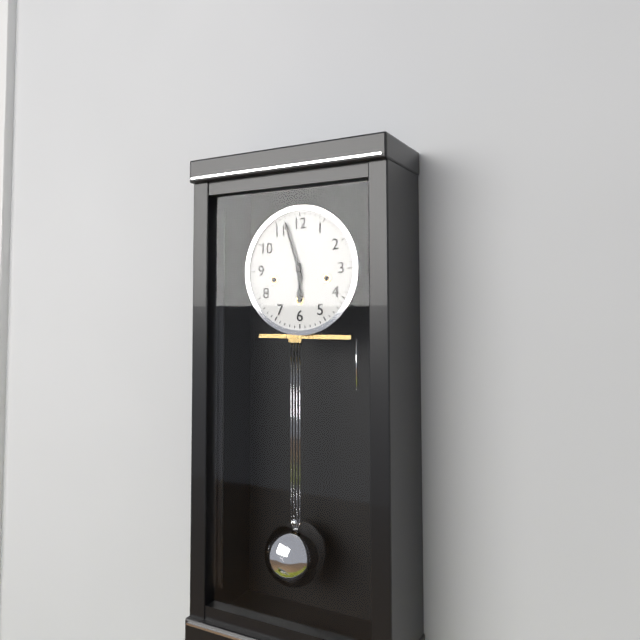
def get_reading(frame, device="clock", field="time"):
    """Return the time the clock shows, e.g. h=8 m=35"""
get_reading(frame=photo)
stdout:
h=5 m=57
